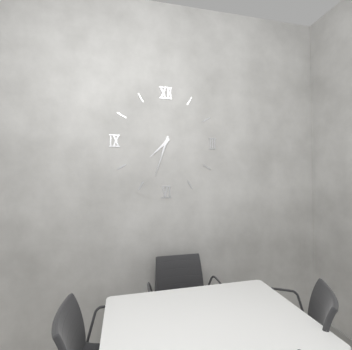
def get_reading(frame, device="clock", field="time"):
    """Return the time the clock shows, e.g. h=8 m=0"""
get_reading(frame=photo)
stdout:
h=7 m=33
